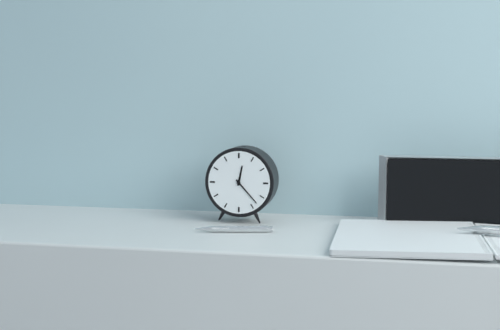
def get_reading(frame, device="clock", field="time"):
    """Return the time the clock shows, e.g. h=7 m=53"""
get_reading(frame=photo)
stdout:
h=12 m=23
